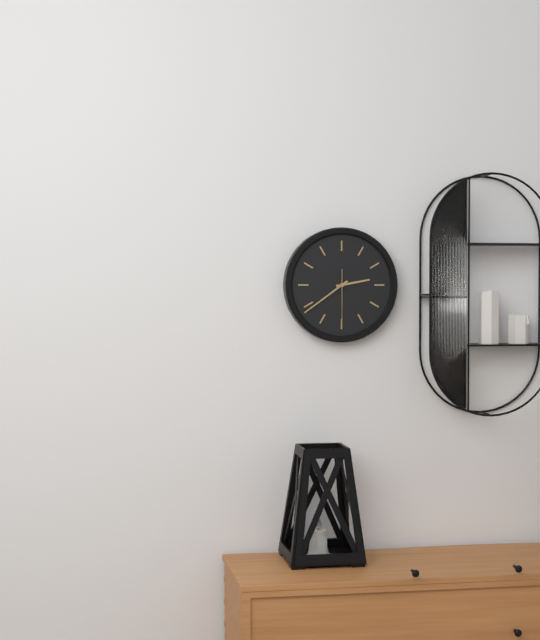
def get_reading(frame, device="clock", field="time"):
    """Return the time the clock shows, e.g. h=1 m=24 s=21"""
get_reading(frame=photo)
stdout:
h=2 m=39 s=30
